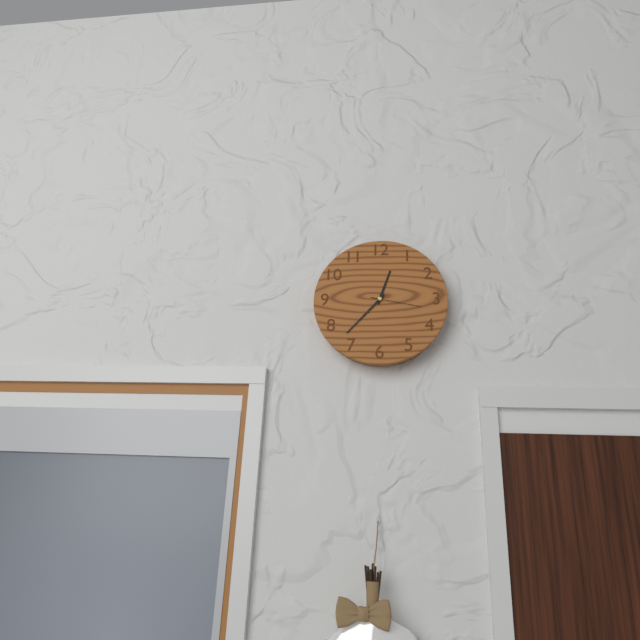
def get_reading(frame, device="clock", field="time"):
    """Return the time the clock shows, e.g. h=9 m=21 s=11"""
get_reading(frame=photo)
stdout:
h=12 m=37 s=17
